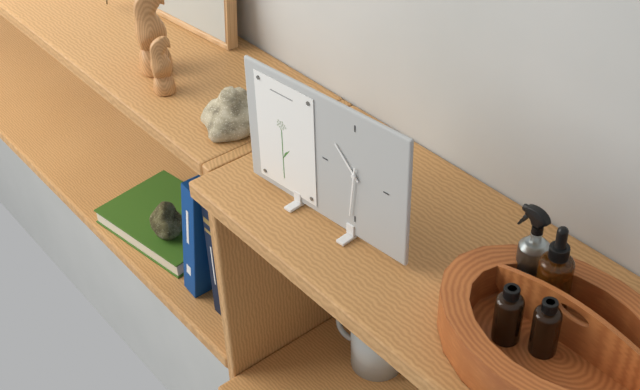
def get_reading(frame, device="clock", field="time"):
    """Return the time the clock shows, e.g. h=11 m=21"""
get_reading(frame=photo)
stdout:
h=10 m=31
